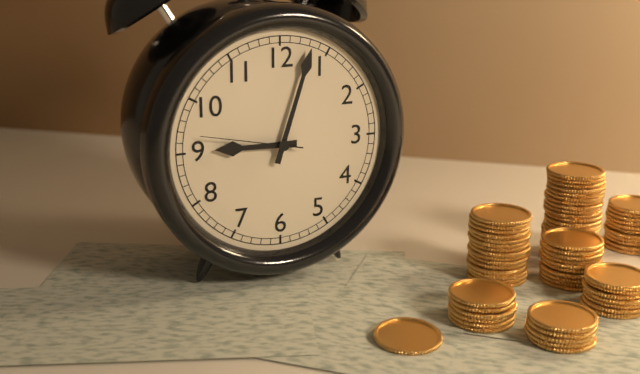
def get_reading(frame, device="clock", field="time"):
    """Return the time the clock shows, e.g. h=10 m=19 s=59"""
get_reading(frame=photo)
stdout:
h=9 m=3 s=47
